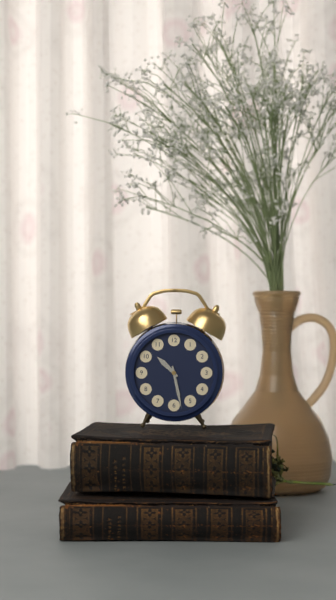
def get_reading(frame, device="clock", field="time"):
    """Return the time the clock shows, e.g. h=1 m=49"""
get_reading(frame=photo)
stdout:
h=10 m=28
